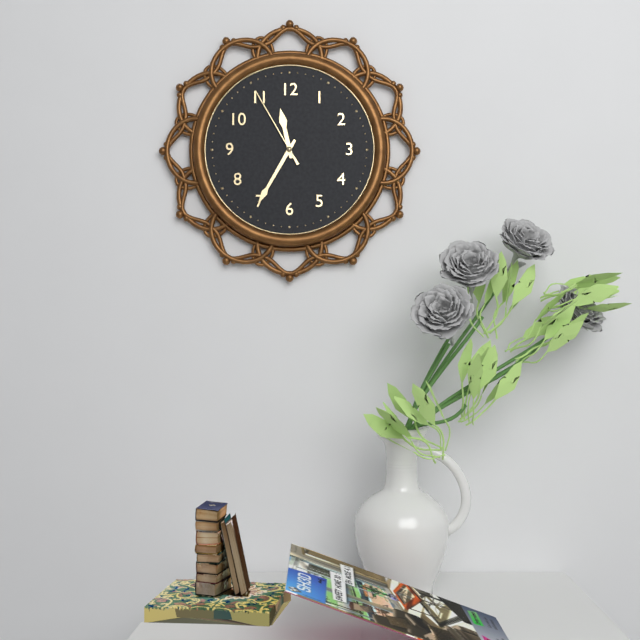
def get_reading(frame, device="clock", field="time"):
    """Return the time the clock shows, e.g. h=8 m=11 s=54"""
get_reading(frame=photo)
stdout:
h=11 m=35 s=55
